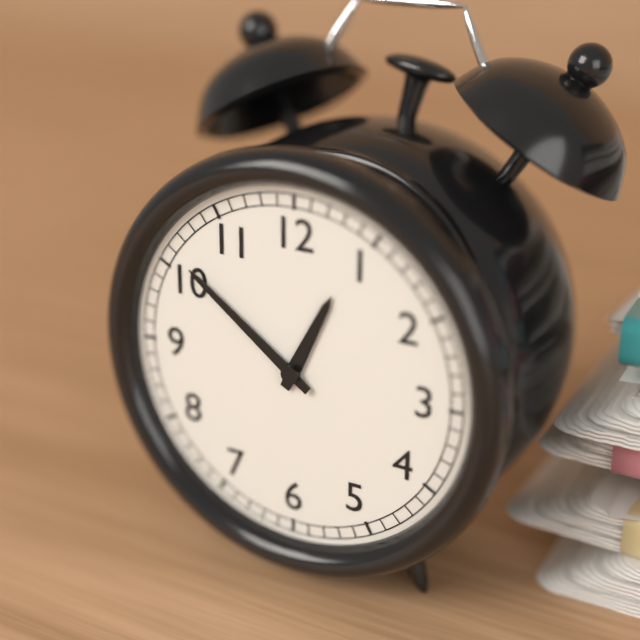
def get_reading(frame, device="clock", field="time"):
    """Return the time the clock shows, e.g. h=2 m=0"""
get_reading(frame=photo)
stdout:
h=12 m=51
